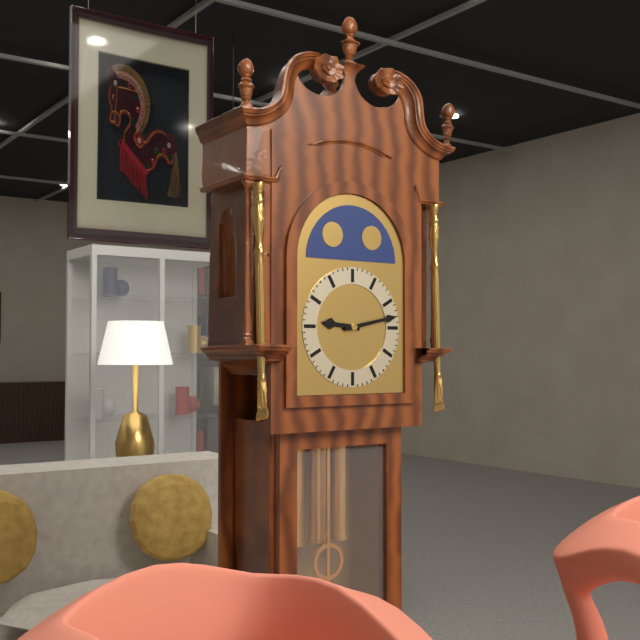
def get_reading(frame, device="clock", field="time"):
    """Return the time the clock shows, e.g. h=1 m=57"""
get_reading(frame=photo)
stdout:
h=9 m=13
